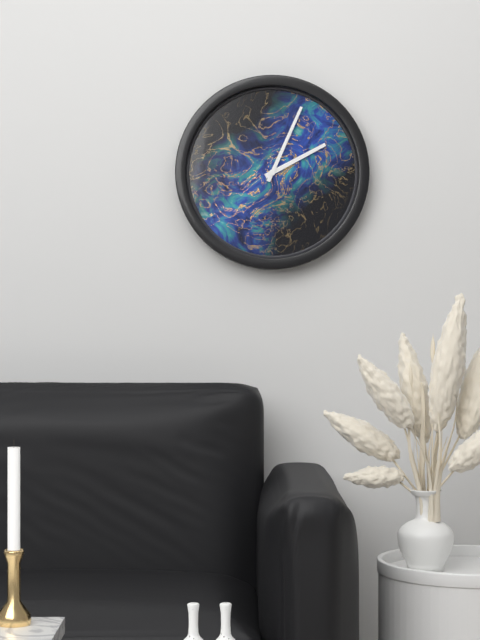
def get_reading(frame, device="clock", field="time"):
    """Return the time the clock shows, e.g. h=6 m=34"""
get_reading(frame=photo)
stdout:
h=2 m=4
